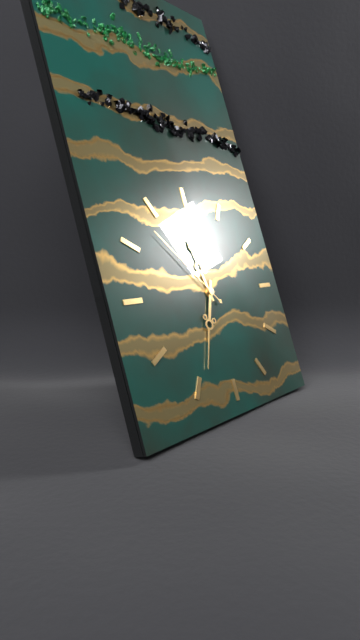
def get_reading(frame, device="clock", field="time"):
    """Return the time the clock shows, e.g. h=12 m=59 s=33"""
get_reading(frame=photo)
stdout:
h=11 m=34 s=53
